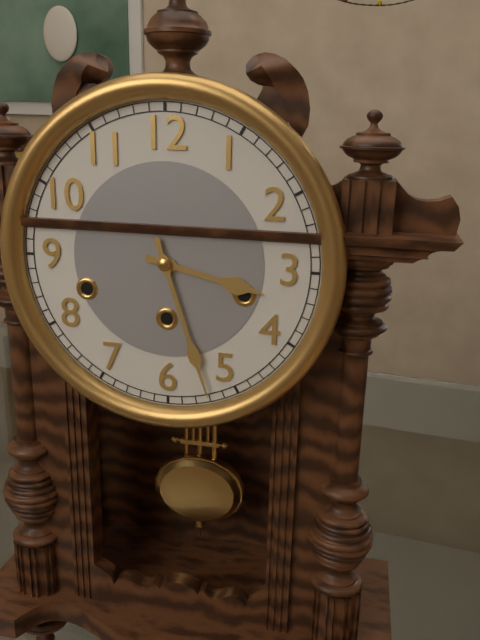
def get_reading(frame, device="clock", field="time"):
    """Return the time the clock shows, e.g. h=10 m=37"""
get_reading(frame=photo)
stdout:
h=3 m=27
